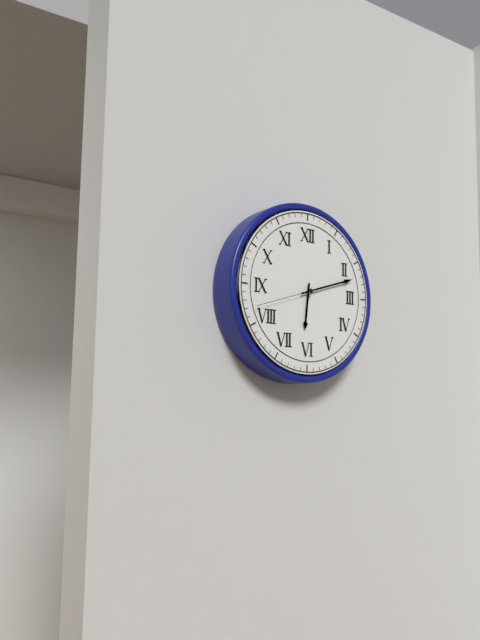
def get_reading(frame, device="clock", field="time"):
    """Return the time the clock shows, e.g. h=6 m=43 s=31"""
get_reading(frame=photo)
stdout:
h=6 m=12 s=42
